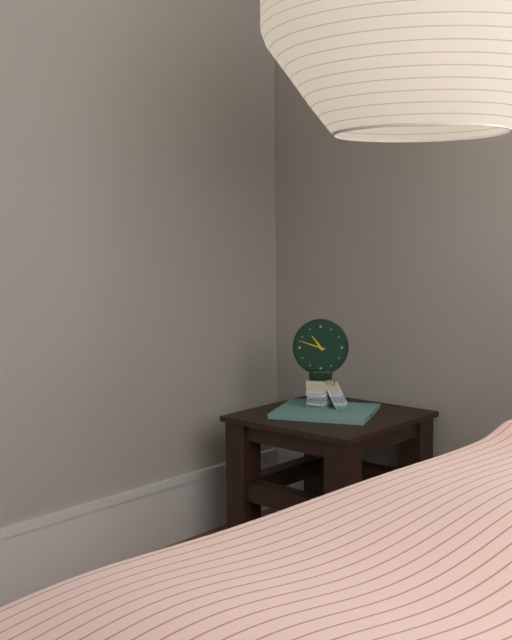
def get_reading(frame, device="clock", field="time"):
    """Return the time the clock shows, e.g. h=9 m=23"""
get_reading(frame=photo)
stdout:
h=10 m=48
